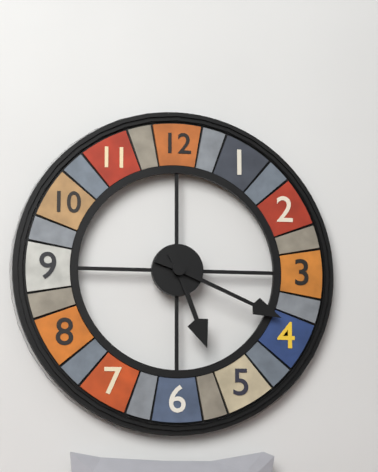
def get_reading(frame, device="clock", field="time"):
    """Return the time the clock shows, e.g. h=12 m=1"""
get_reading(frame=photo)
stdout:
h=5 m=19
